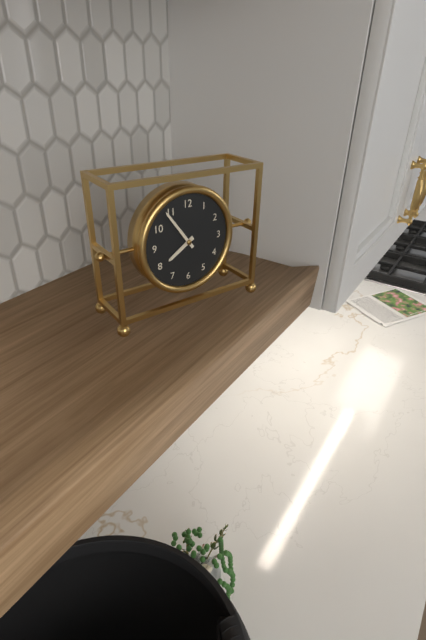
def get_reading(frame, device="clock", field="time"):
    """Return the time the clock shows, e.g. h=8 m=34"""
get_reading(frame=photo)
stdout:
h=7 m=54
